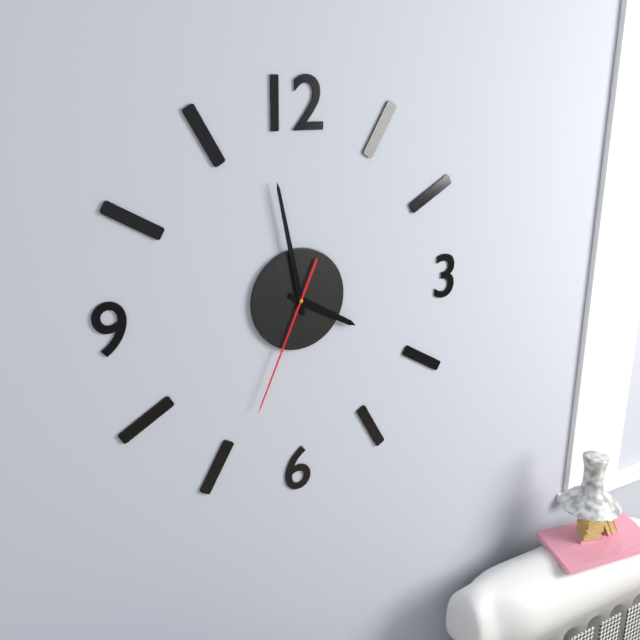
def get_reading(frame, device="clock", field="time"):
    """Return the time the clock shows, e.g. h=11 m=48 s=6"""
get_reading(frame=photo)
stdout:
h=3 m=58 s=34
